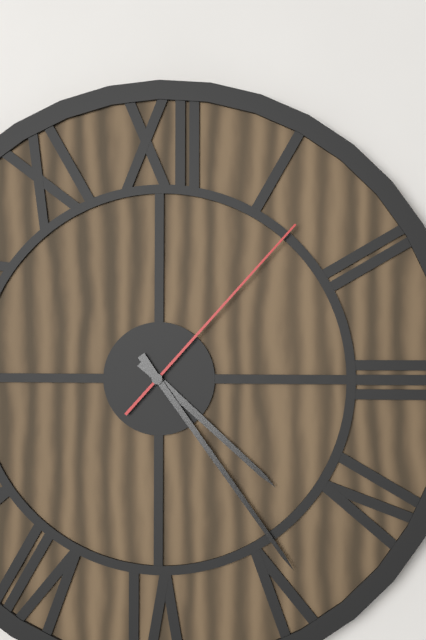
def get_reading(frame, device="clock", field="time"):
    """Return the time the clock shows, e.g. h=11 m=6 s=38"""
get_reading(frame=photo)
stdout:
h=4 m=24 s=7
